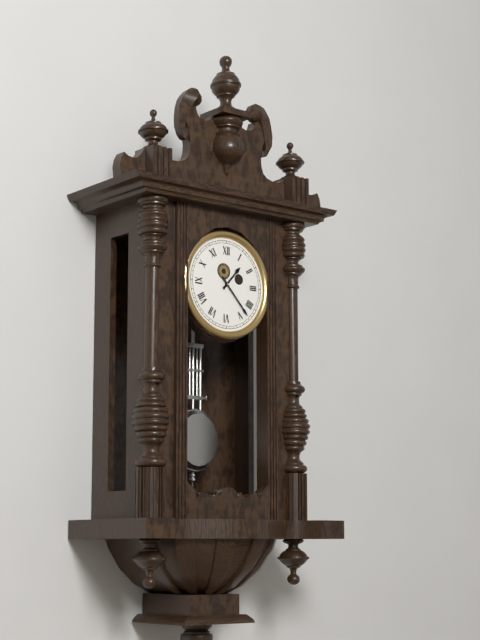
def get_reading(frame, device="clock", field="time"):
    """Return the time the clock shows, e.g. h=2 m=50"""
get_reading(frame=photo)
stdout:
h=1 m=23
